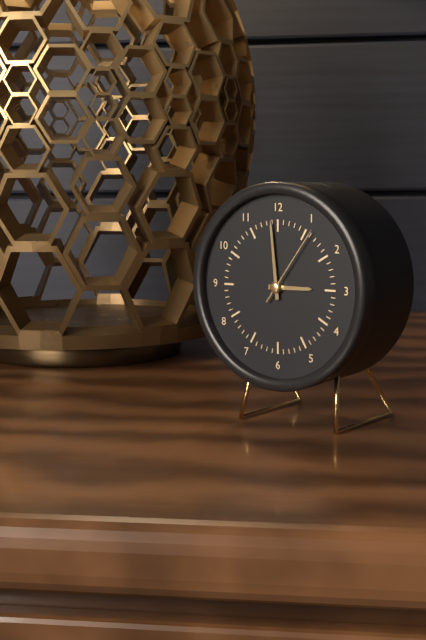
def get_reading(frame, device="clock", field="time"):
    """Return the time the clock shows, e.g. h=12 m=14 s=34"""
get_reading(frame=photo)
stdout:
h=2 m=59 s=6
